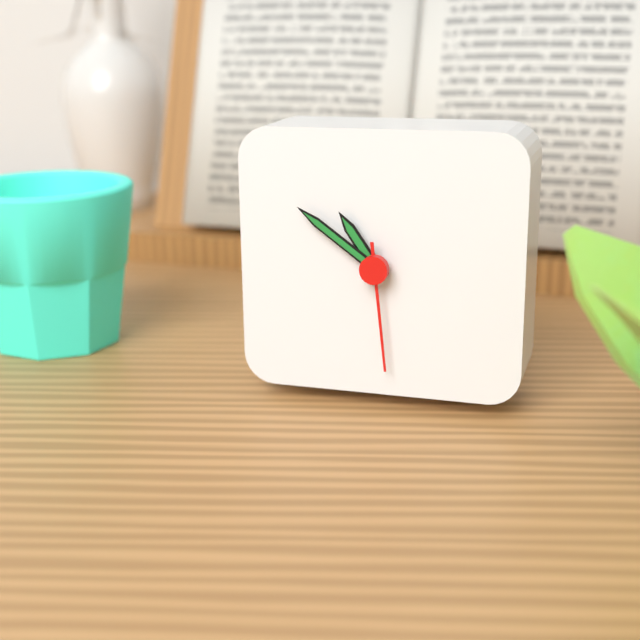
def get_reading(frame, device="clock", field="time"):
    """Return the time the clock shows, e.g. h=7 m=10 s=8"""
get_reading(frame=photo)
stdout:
h=10 m=51 s=29
